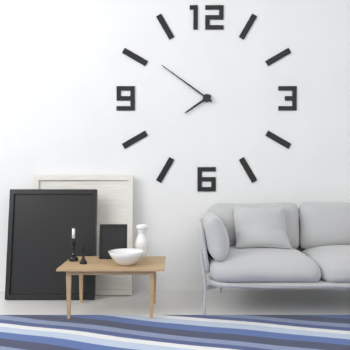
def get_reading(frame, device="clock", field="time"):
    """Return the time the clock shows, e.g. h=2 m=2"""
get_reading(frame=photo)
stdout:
h=7 m=51
